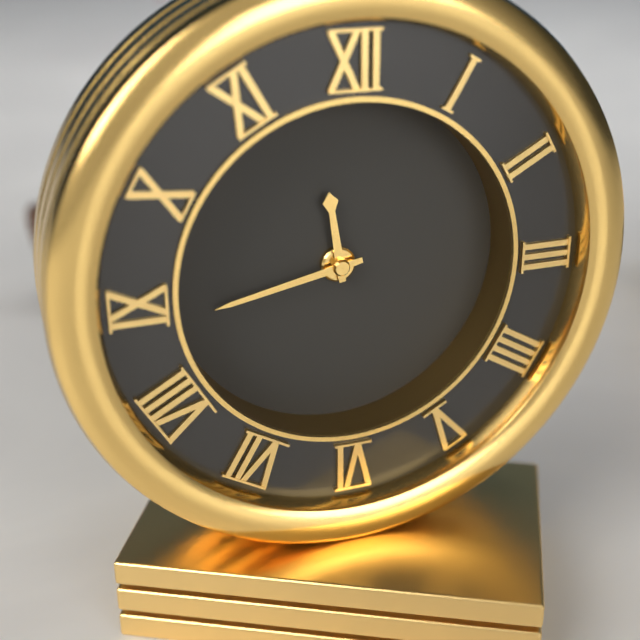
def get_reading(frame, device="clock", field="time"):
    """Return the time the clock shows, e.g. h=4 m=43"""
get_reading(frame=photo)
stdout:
h=11 m=43
